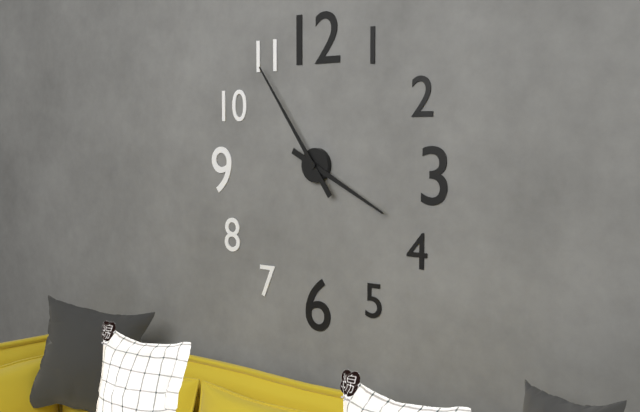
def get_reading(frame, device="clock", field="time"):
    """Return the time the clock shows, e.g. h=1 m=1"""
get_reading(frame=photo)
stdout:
h=3 m=54
